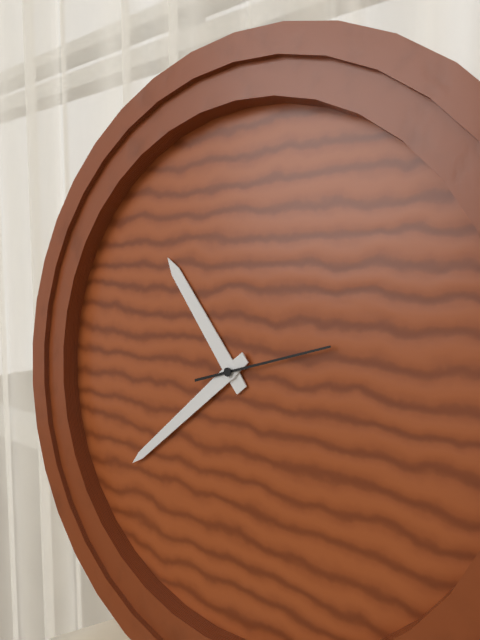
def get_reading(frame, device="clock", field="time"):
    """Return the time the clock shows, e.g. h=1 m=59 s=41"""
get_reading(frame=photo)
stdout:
h=10 m=38 s=12
